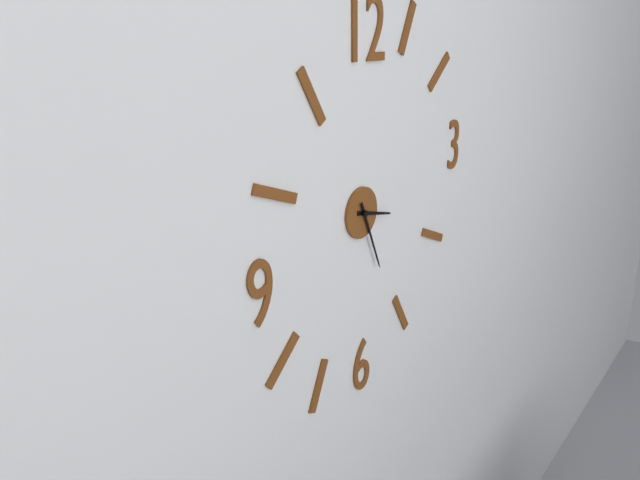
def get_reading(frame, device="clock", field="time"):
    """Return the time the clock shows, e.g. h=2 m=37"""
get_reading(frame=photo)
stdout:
h=3 m=26
